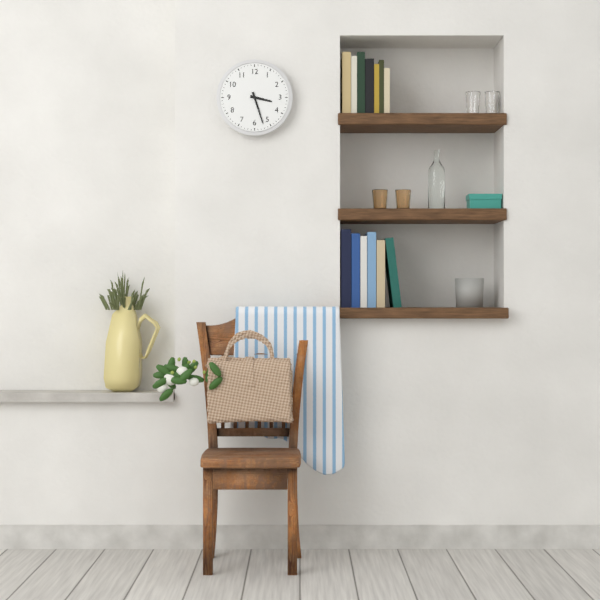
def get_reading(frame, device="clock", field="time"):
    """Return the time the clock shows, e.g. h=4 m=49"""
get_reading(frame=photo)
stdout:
h=3 m=27
